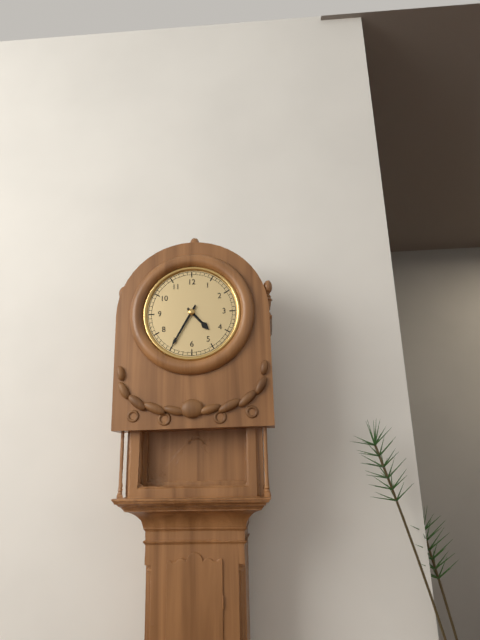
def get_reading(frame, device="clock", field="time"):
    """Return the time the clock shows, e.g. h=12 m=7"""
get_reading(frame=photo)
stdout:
h=4 m=35
